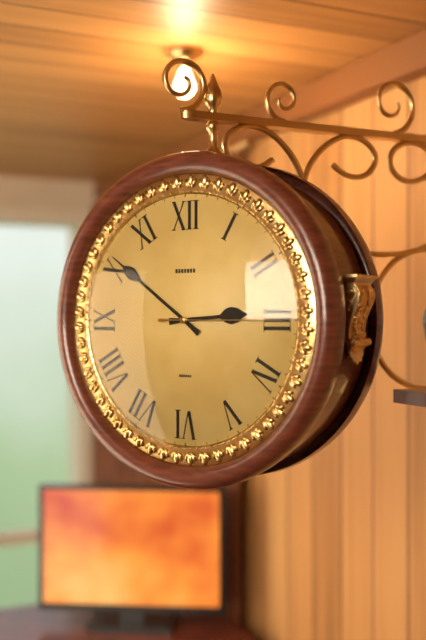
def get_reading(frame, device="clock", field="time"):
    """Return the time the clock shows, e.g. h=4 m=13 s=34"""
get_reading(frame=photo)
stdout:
h=2 m=51 s=15
